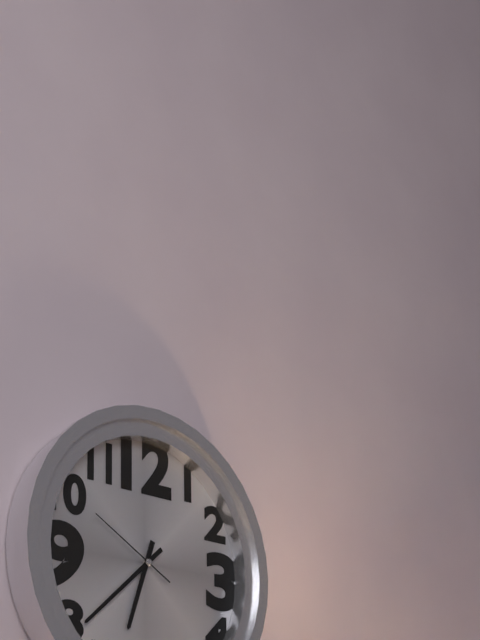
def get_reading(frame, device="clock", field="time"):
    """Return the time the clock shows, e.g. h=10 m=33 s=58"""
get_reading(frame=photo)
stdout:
h=6 m=38 s=50
